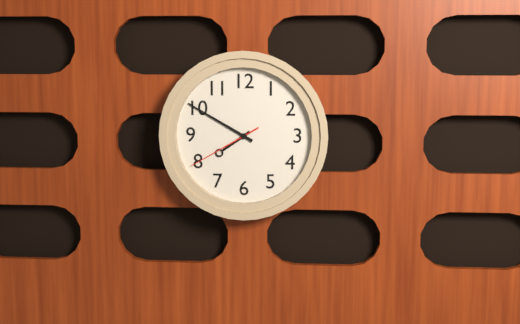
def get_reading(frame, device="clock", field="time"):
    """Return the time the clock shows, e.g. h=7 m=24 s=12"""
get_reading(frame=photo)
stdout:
h=7 m=50 s=40
